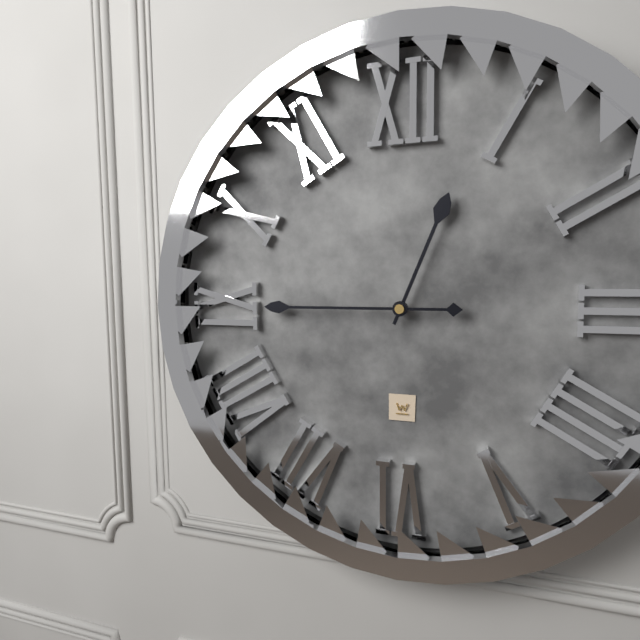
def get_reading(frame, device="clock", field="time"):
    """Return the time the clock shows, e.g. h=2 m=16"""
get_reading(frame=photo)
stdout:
h=12 m=45
